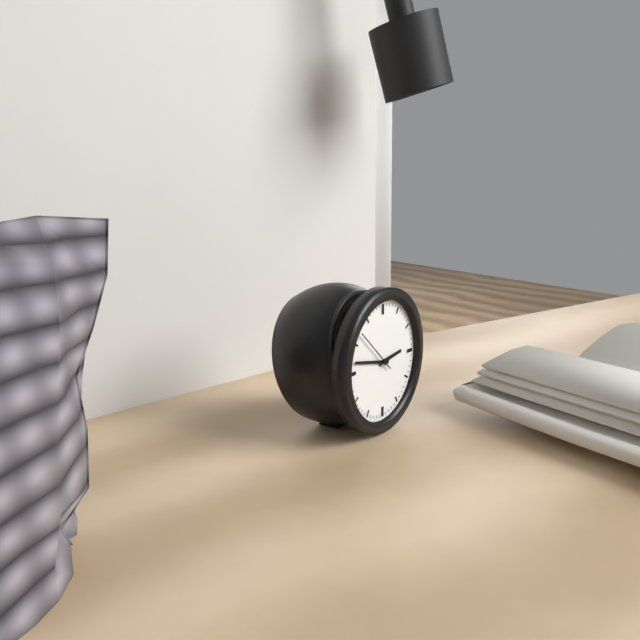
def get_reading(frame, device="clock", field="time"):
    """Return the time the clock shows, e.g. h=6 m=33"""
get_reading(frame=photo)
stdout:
h=2 m=47
